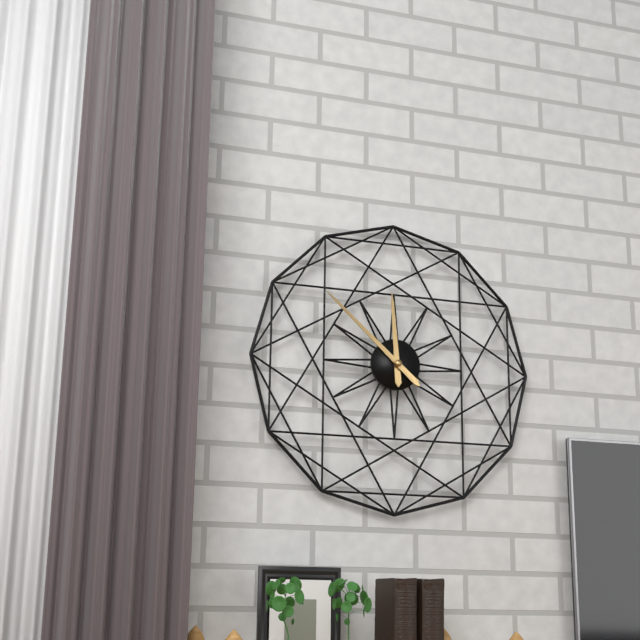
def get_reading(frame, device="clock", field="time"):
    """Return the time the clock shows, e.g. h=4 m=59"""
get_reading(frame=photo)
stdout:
h=11 m=52
